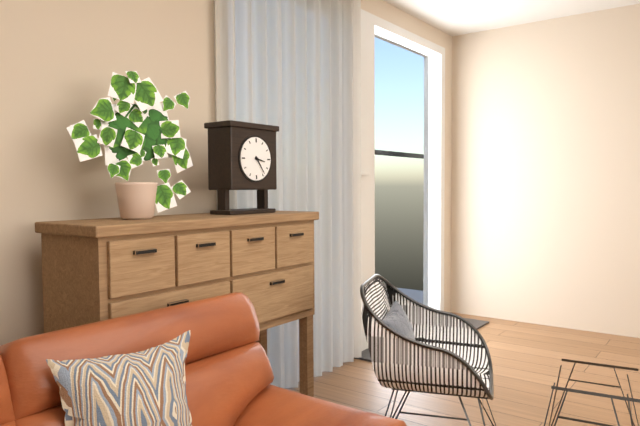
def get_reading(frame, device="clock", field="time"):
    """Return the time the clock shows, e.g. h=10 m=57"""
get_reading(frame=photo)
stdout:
h=3 m=24
